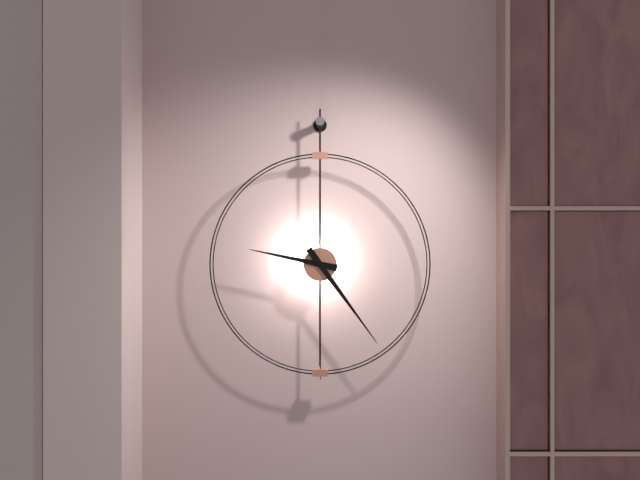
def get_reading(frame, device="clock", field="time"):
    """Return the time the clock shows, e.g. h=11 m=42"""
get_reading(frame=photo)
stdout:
h=9 m=24
